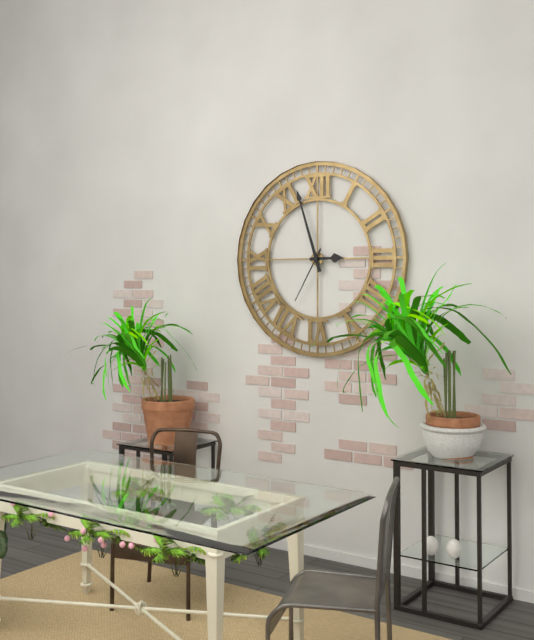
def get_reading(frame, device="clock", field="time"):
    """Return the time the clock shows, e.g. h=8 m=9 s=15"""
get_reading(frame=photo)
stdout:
h=2 m=57 s=35
